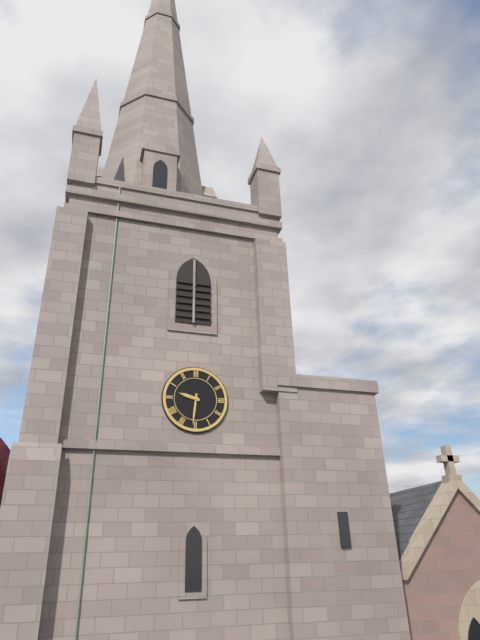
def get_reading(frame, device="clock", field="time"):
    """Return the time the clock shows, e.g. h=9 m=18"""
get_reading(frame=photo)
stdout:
h=9 m=31
